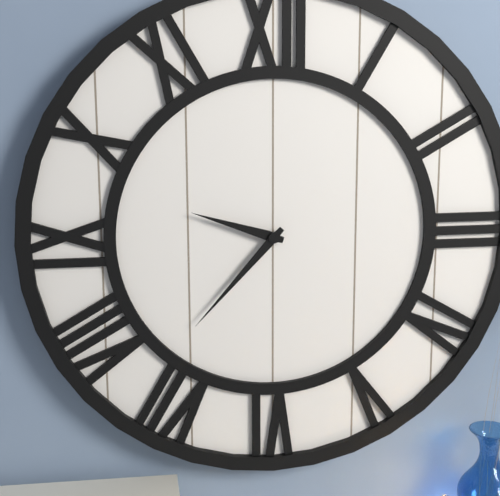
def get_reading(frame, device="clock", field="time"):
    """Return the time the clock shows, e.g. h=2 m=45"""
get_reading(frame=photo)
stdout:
h=9 m=37
